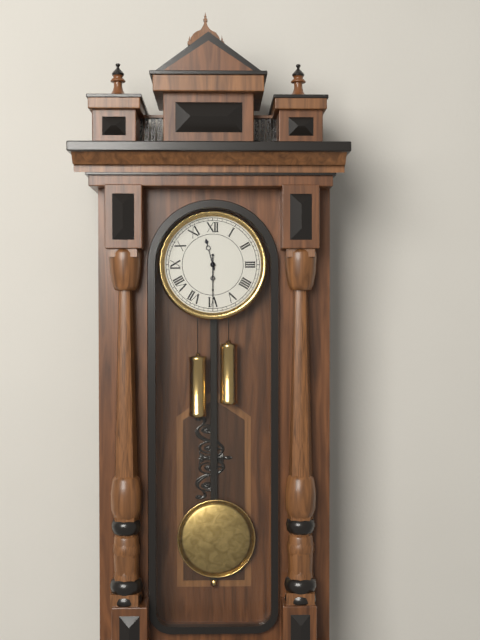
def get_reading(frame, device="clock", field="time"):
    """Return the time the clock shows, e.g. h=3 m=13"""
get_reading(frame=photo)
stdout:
h=11 m=30
